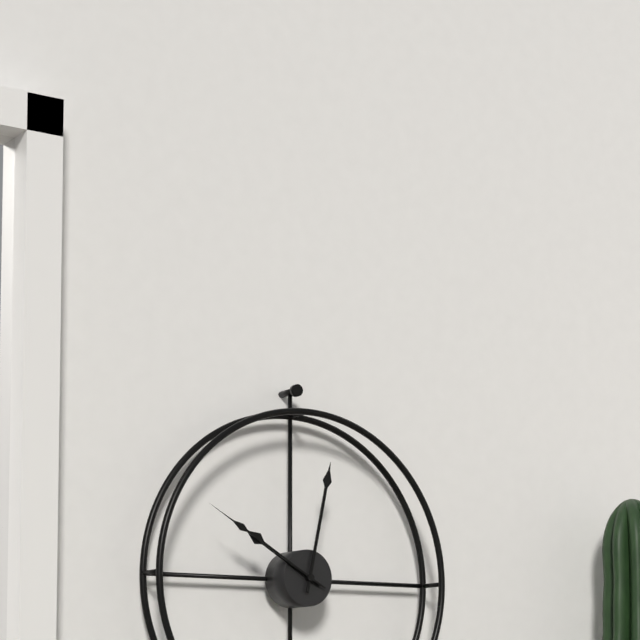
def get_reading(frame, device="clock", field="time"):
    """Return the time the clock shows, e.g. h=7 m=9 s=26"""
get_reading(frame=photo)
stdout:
h=10 m=2 s=50
